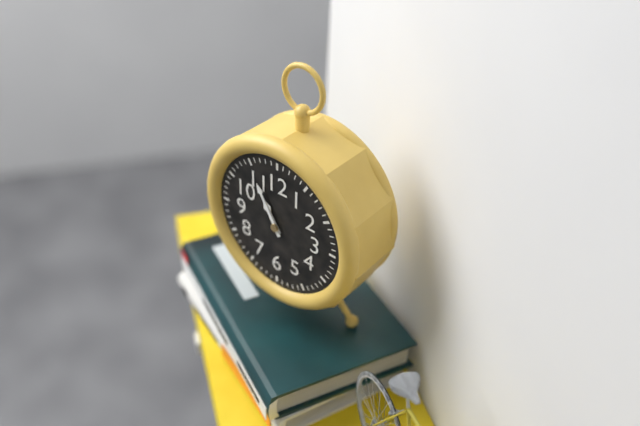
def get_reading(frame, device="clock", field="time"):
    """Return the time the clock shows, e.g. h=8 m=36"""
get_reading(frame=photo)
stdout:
h=10 m=55
